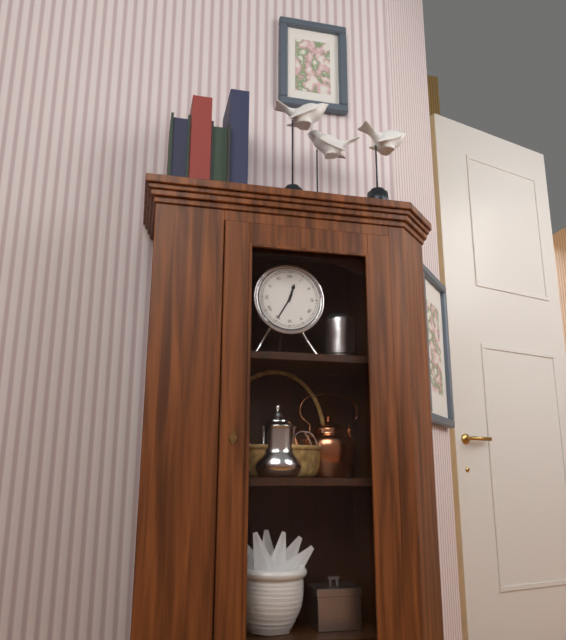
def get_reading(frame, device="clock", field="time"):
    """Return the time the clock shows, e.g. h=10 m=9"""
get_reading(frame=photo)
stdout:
h=12 m=35
